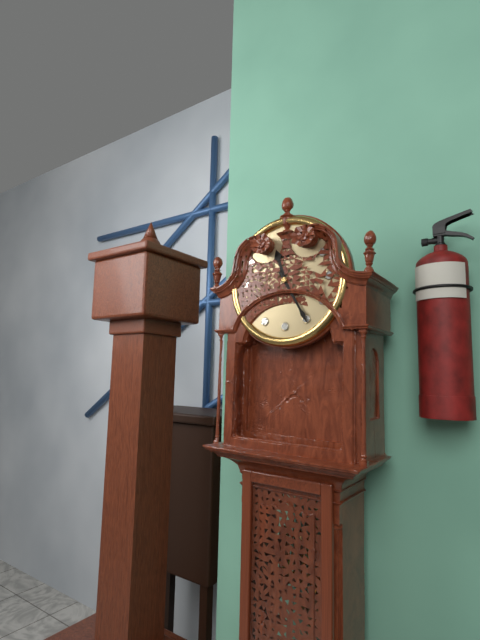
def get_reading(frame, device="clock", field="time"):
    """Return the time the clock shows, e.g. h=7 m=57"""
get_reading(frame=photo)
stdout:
h=11 m=25
